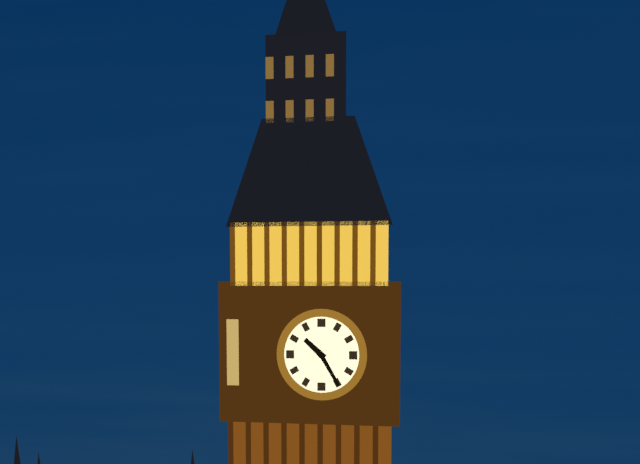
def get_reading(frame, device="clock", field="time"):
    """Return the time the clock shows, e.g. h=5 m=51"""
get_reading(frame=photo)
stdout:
h=10 m=25
